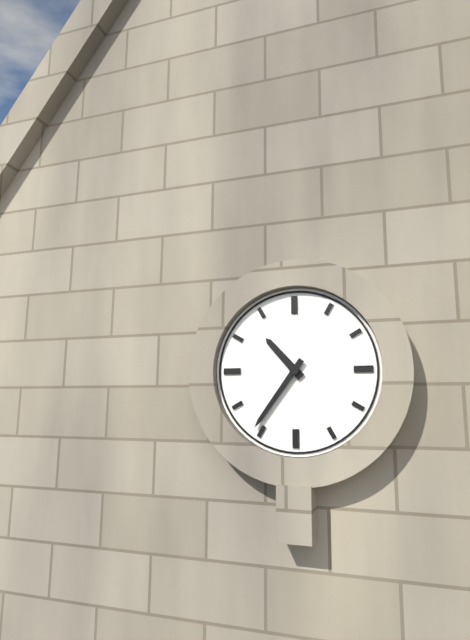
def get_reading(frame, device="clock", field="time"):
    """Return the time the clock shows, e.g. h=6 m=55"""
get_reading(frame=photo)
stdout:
h=10 m=36
